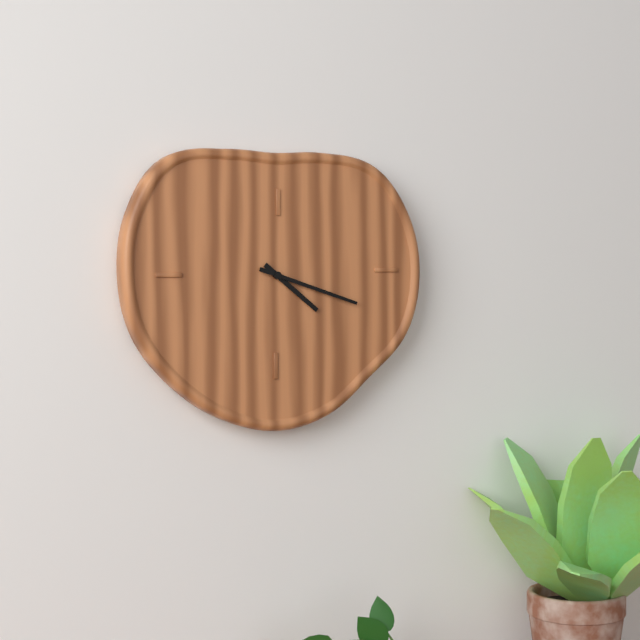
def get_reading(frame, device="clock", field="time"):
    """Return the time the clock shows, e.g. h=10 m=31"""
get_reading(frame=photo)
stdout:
h=4 m=18
